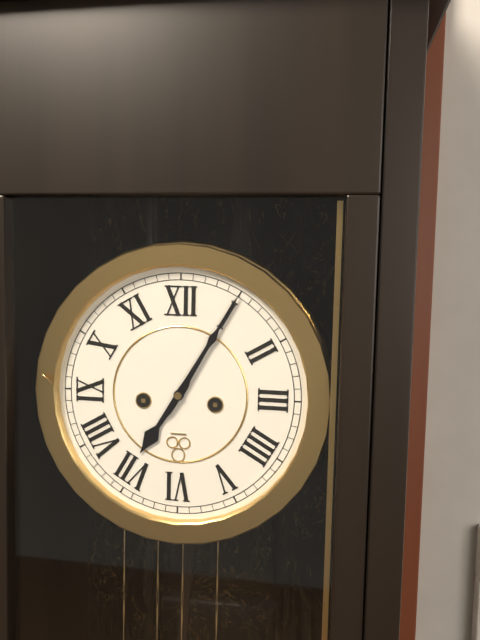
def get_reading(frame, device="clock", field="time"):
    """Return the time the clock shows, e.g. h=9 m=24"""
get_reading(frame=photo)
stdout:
h=7 m=5
